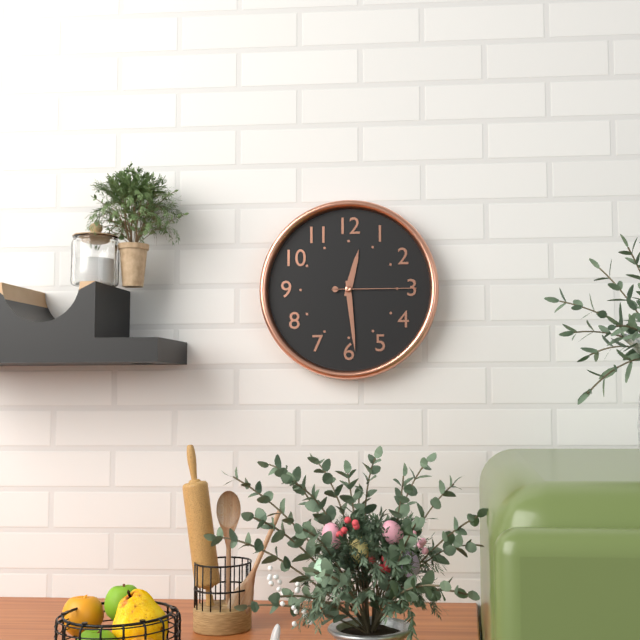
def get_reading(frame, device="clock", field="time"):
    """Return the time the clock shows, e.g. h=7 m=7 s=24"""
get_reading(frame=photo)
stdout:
h=12 m=29 s=15
